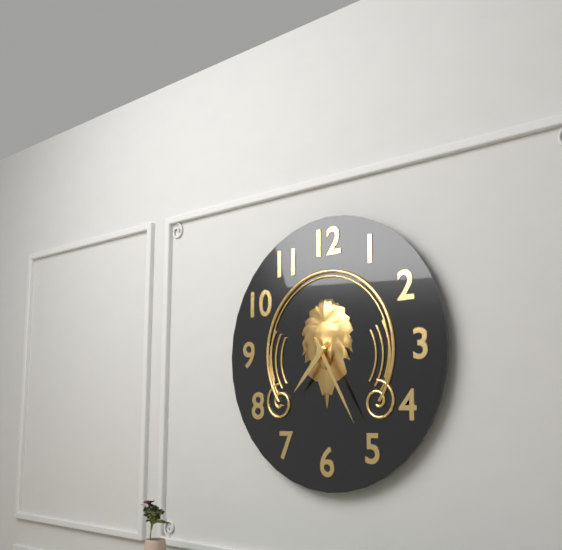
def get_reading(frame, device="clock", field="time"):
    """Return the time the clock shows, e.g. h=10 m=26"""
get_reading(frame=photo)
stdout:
h=7 m=25
